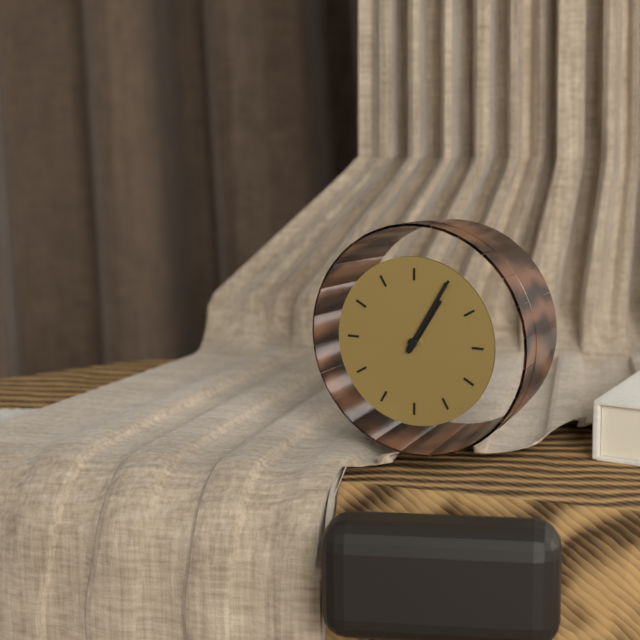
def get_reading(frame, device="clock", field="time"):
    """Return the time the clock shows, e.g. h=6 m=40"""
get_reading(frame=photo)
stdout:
h=1 m=5
